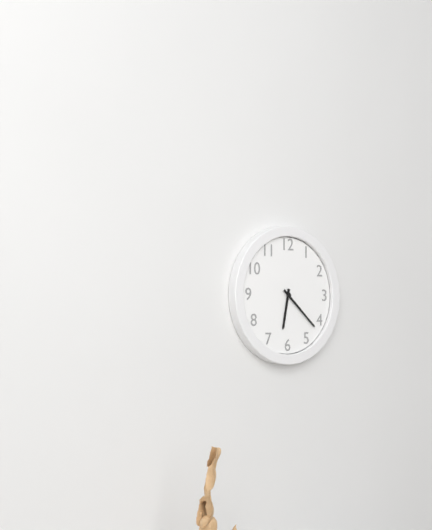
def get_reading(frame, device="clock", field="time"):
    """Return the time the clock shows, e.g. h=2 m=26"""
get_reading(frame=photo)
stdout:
h=6 m=22
